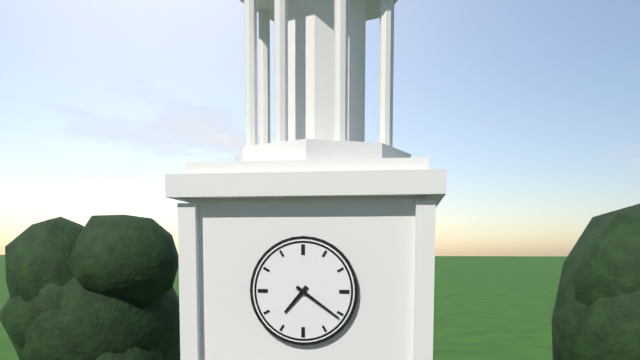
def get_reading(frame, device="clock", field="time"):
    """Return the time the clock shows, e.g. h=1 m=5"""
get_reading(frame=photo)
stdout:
h=7 m=21
